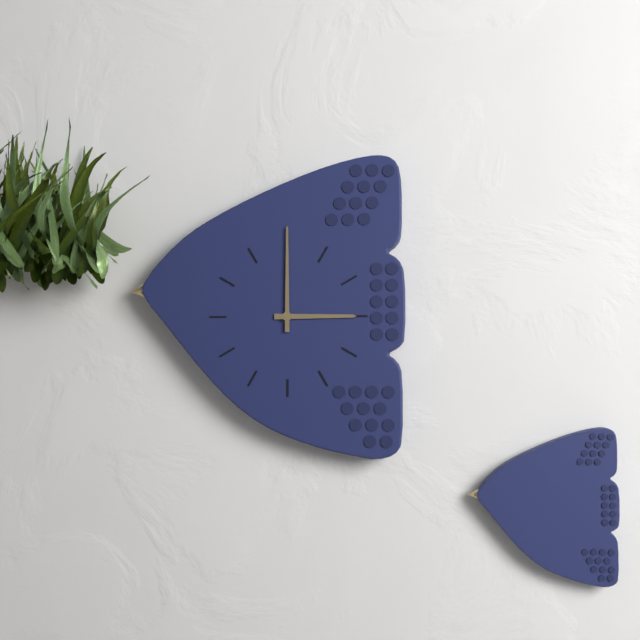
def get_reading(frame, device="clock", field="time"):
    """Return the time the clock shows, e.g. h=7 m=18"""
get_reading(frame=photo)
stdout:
h=3 m=0
